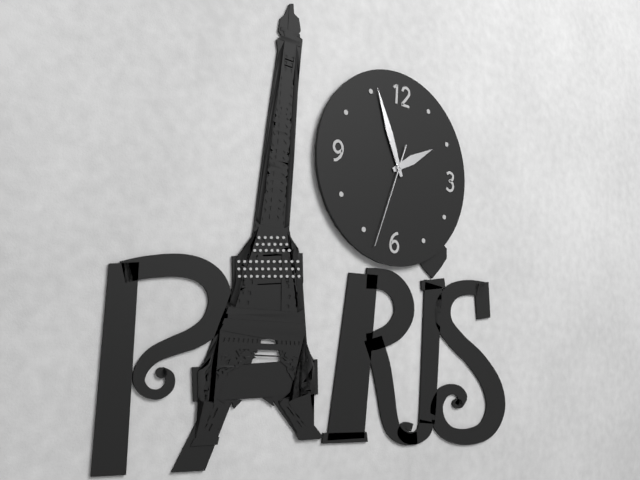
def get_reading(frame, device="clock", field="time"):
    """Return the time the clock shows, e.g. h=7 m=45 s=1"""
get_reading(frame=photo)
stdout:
h=1 m=56 s=33
